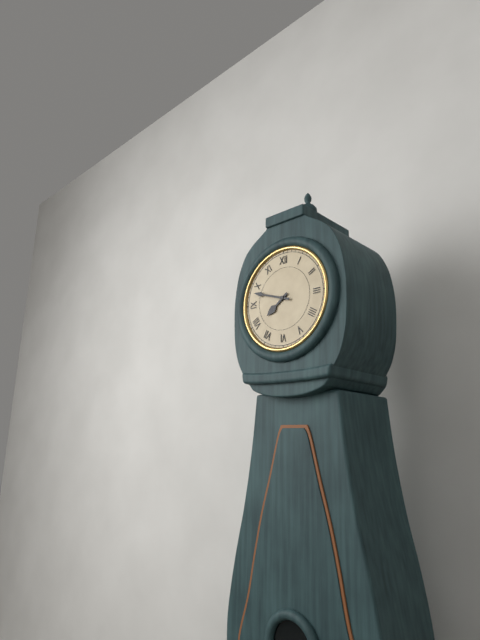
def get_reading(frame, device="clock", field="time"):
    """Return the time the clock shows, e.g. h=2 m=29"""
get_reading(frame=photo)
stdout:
h=7 m=48
